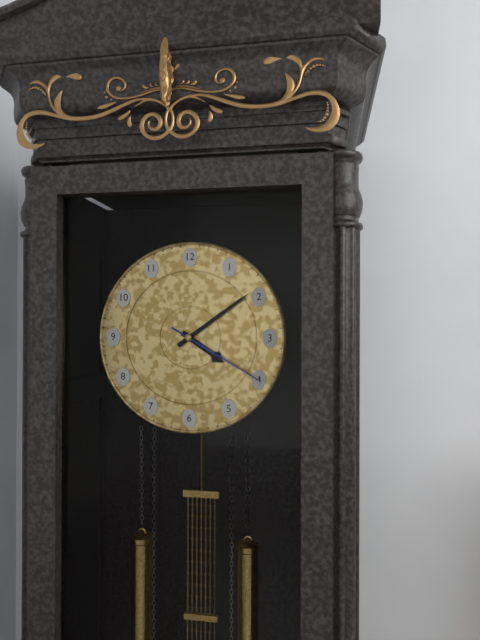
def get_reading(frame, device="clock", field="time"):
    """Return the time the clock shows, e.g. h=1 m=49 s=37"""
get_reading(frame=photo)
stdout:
h=4 m=9 s=20
